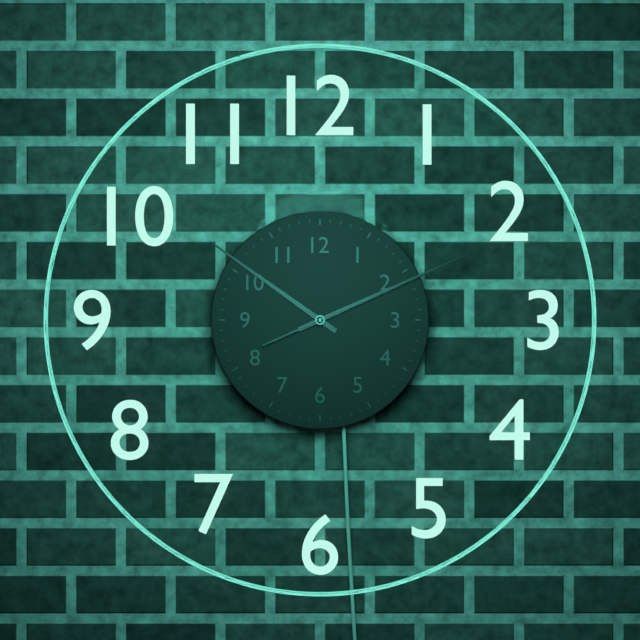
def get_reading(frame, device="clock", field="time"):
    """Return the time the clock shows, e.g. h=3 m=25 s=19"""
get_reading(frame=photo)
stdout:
h=10 m=11 s=11
